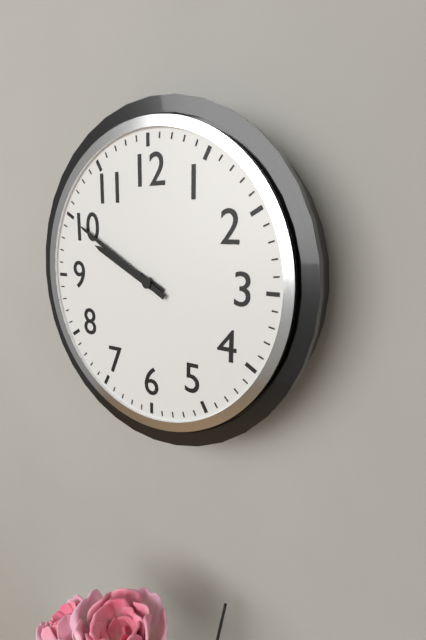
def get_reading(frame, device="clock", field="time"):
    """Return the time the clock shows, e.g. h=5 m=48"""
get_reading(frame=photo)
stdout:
h=9 m=50
